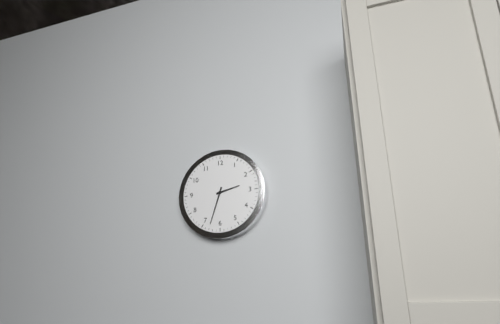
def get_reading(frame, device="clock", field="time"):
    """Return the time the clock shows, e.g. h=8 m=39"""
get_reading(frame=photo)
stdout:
h=2 m=33
